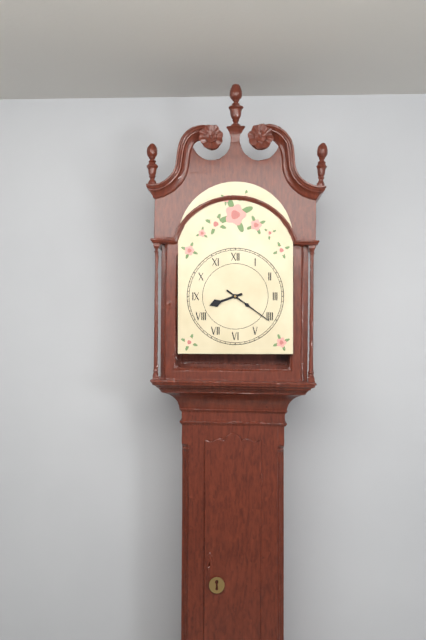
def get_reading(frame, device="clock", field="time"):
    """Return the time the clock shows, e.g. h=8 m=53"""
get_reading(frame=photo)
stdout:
h=8 m=21
